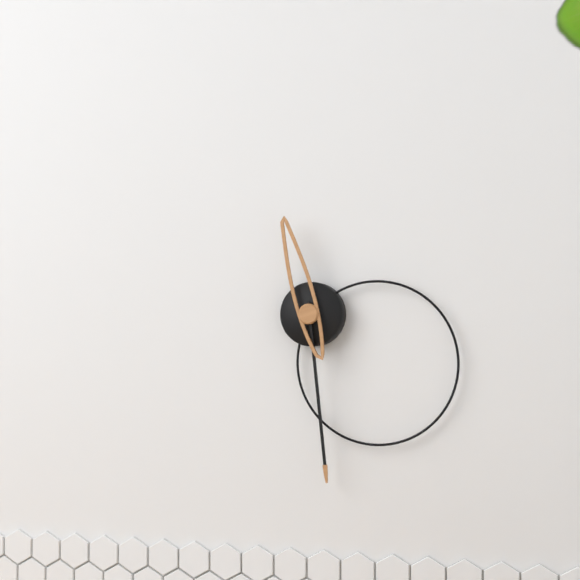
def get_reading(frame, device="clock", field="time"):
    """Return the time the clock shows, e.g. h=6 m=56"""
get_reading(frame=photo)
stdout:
h=11 m=29
